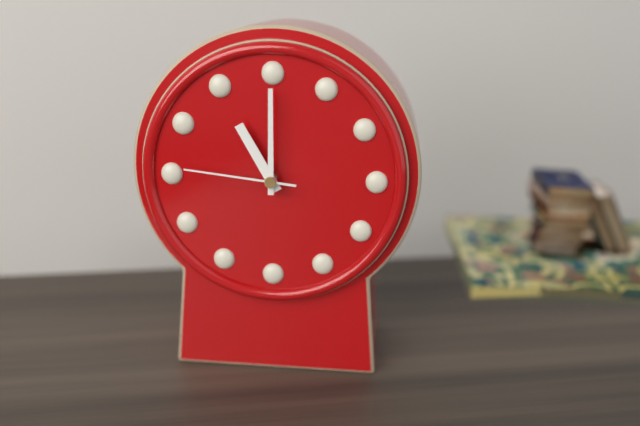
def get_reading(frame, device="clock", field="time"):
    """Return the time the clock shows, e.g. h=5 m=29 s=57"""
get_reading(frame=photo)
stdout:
h=11 m=0 s=46
